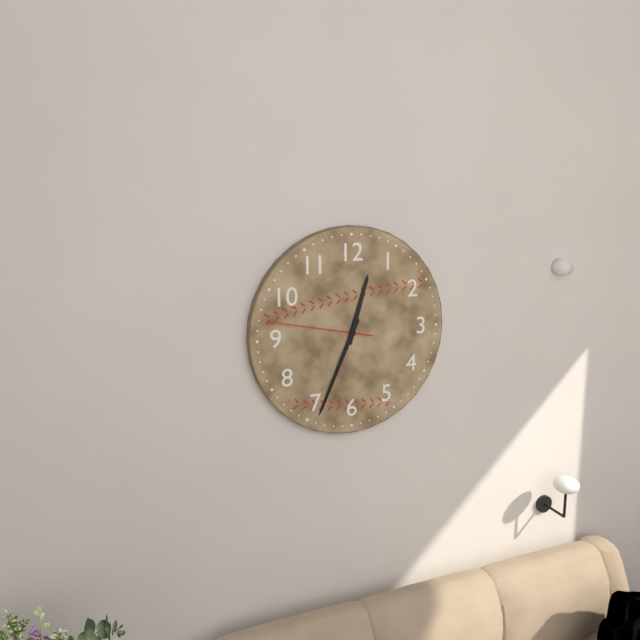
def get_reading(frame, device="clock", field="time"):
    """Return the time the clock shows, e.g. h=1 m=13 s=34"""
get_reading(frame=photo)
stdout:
h=12 m=34 s=47
